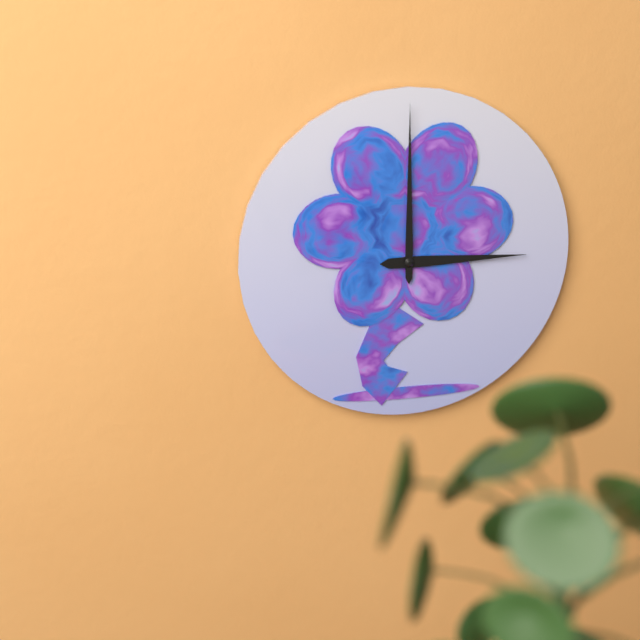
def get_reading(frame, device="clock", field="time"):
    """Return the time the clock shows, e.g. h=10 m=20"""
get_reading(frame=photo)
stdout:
h=3 m=0
